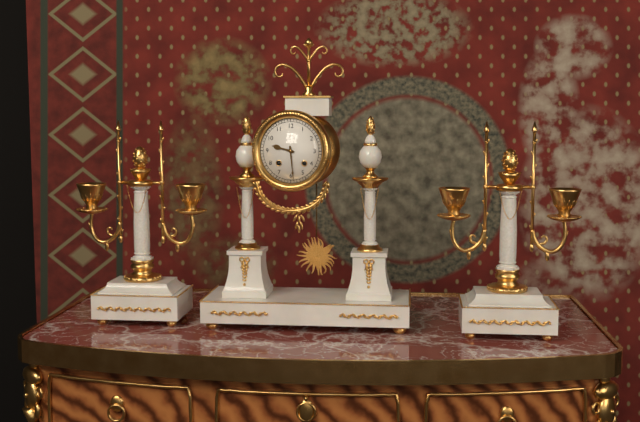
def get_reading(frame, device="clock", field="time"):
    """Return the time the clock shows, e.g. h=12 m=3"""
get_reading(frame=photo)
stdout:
h=9 m=29
